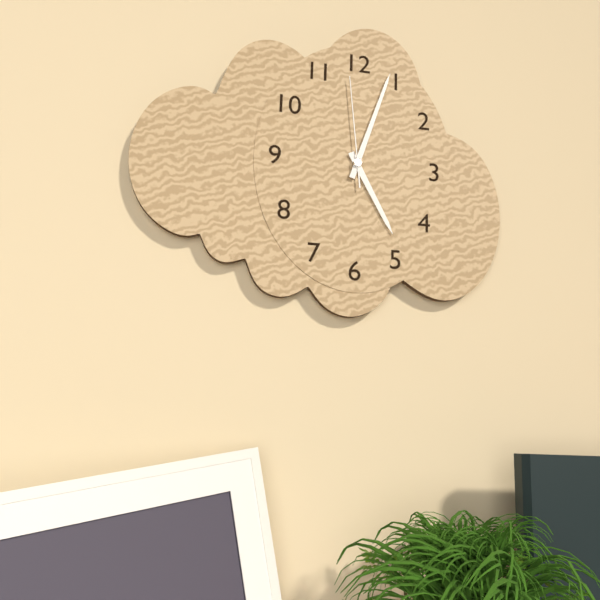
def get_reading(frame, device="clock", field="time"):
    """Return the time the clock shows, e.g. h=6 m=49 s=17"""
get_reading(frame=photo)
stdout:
h=5 m=3 s=59
